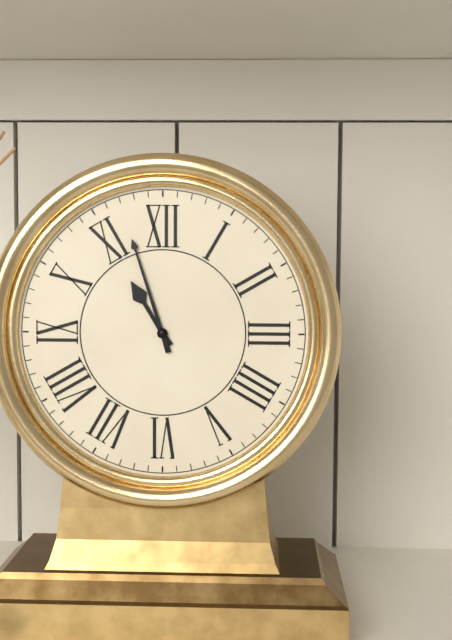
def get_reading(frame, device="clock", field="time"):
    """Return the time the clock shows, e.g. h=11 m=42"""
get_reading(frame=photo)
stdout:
h=10 m=57
